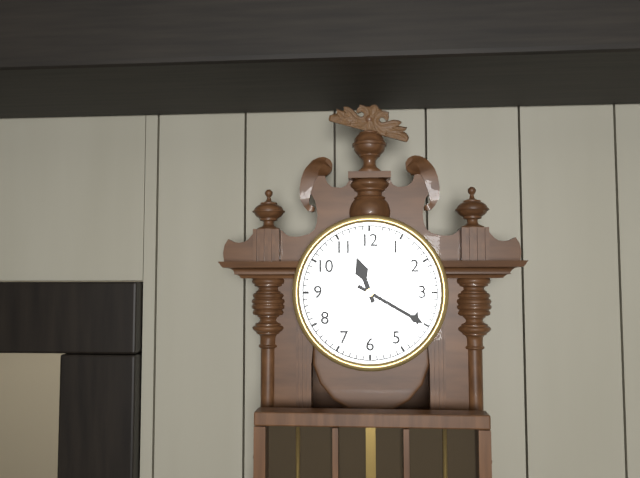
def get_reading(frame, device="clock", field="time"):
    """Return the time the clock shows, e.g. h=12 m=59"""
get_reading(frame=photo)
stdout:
h=11 m=20
